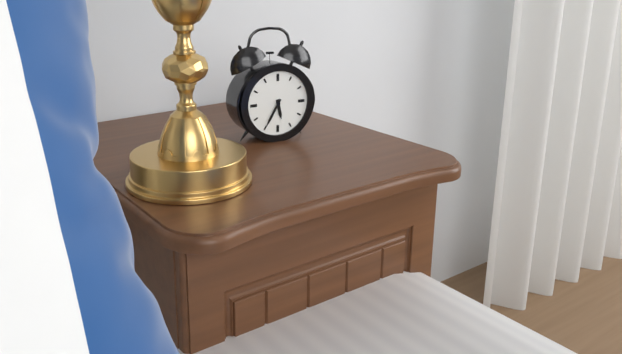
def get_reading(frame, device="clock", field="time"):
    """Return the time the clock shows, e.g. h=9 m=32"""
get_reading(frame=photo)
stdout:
h=5 m=35
